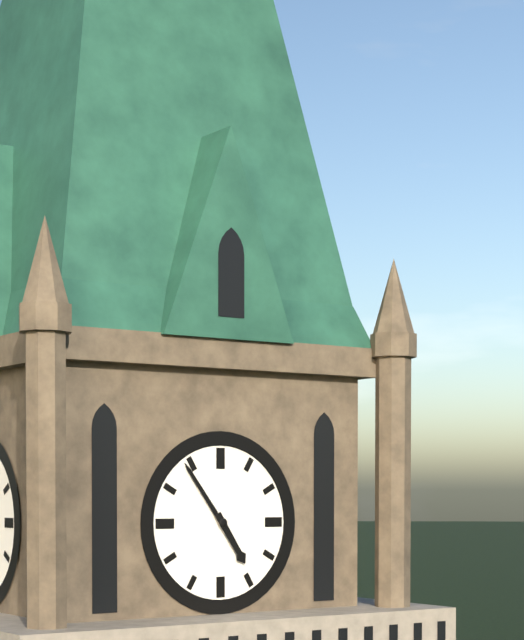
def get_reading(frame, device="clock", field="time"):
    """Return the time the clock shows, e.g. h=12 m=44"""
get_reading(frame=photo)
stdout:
h=4 m=54
